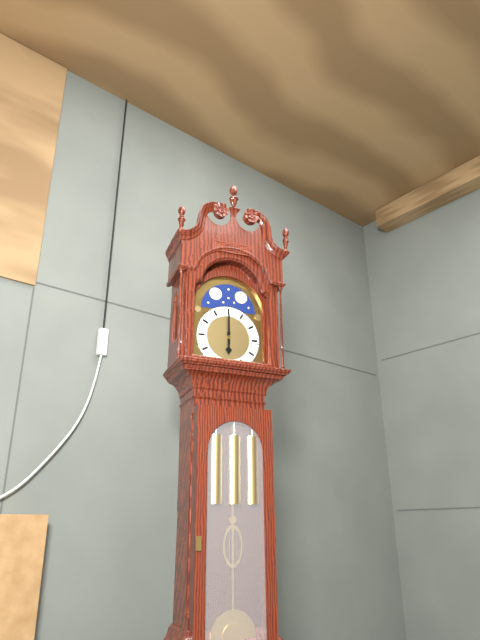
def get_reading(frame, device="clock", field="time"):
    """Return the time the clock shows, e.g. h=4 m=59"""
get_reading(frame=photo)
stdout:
h=6 m=0
